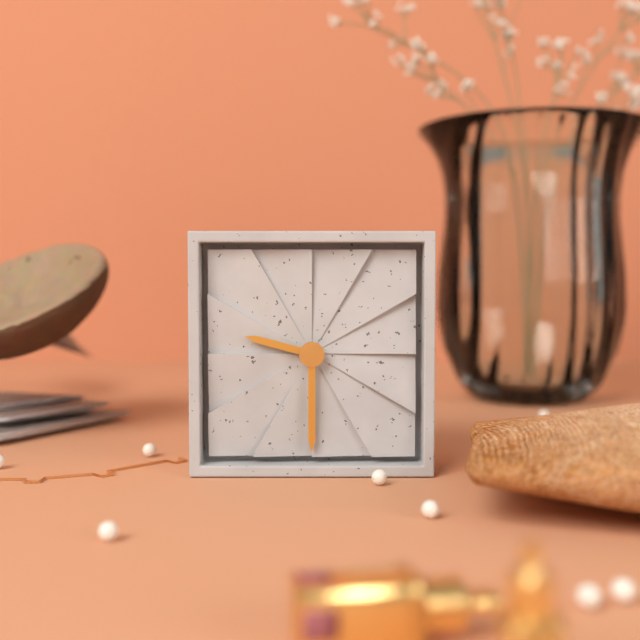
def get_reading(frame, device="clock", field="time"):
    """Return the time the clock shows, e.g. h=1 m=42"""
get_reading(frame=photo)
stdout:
h=9 m=30
